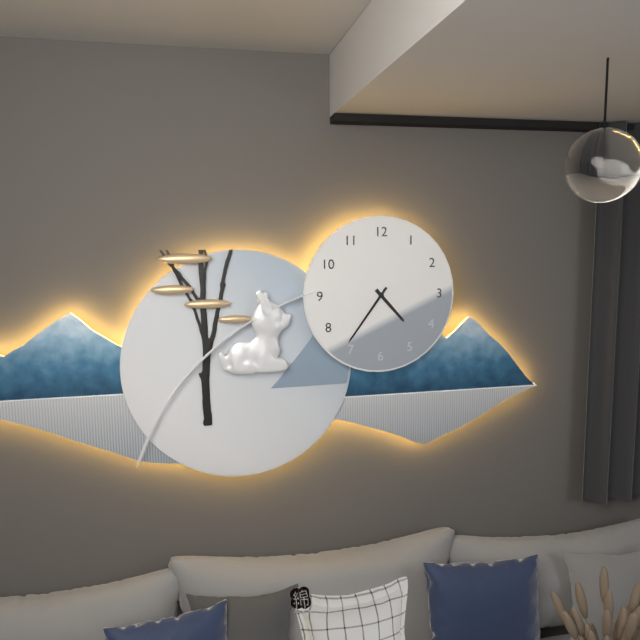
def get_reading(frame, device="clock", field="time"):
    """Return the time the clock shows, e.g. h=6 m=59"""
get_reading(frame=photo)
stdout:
h=4 m=36
